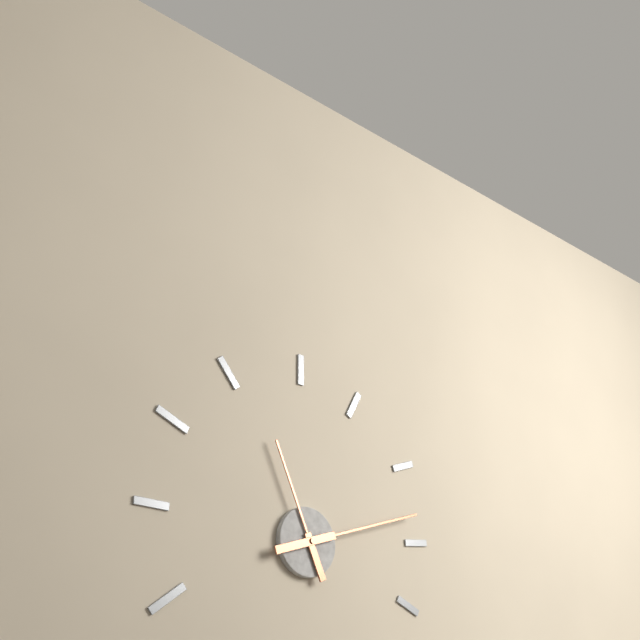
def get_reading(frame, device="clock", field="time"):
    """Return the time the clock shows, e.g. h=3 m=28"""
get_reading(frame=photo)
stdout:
h=11 m=12
